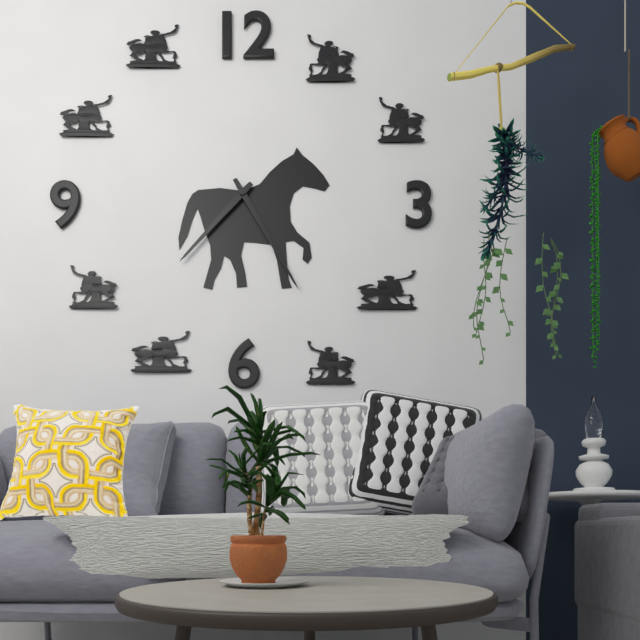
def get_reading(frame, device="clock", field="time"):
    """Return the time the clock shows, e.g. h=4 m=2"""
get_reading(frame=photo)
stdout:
h=7 m=25
